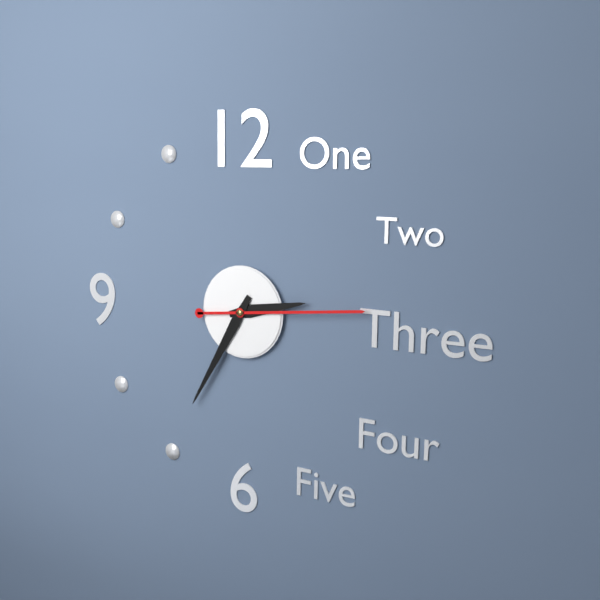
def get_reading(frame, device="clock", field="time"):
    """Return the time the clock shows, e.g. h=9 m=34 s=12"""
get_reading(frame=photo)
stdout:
h=2 m=35 s=14
